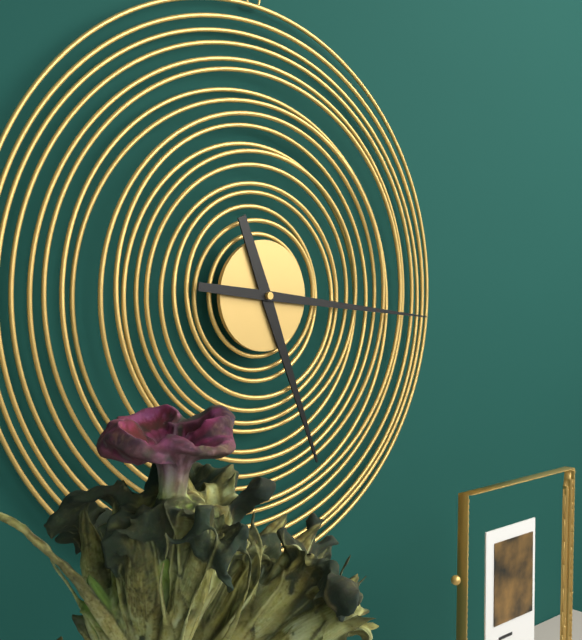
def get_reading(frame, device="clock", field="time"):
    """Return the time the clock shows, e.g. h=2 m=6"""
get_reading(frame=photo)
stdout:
h=5 m=16
